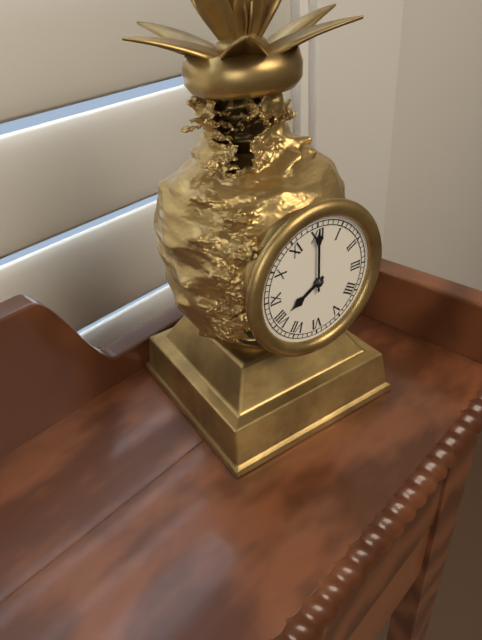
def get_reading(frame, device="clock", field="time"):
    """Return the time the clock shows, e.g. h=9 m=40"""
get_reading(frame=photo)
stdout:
h=8 m=0
